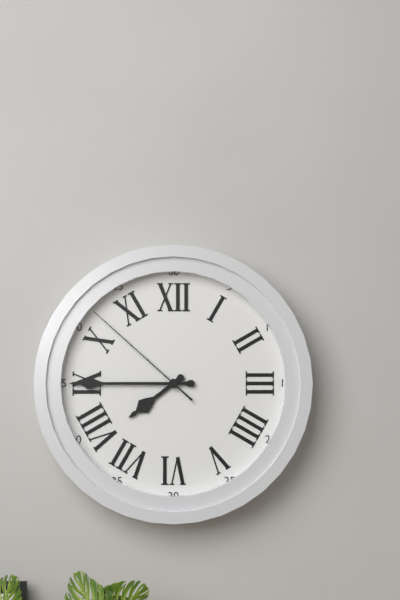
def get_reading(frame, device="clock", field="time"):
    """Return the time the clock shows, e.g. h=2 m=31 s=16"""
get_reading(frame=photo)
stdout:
h=7 m=45 s=52
